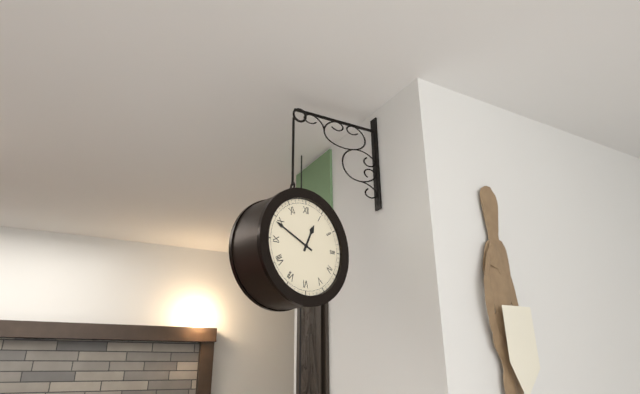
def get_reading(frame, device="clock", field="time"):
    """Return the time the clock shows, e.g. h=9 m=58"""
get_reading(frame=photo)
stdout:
h=12 m=49
